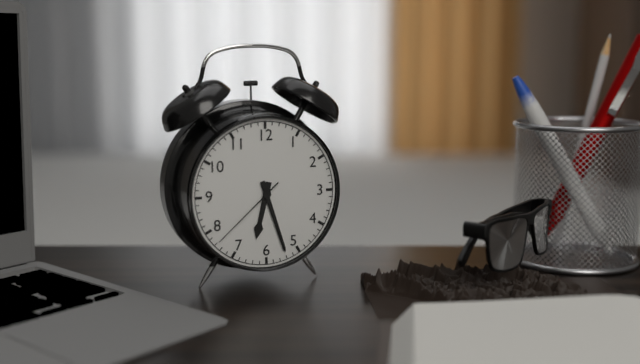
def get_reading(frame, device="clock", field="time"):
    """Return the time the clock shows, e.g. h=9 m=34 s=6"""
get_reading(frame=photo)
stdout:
h=6 m=27 s=38
